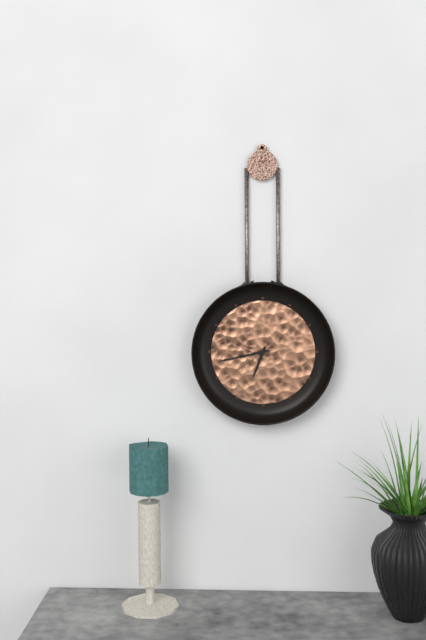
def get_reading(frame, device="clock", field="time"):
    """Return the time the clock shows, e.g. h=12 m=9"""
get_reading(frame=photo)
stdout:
h=6 m=43
